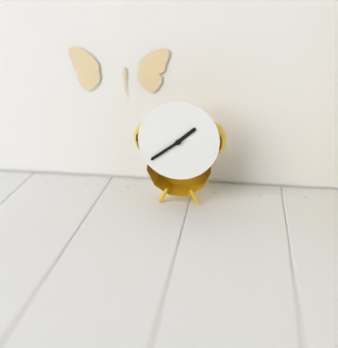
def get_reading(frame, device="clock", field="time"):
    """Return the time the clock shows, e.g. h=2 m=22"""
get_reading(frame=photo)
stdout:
h=1 m=39
